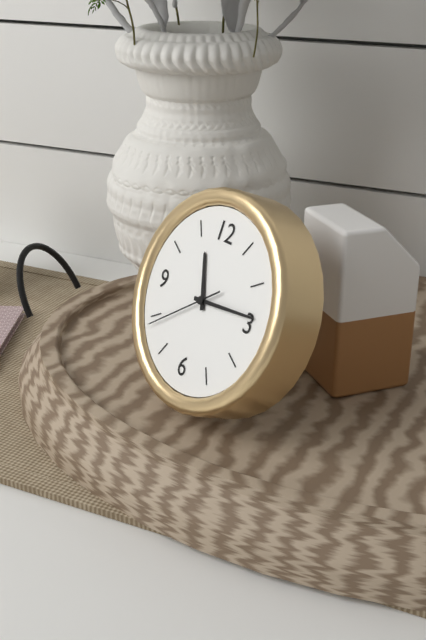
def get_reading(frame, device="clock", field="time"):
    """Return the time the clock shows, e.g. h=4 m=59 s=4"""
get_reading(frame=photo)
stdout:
h=11 m=14 s=39
